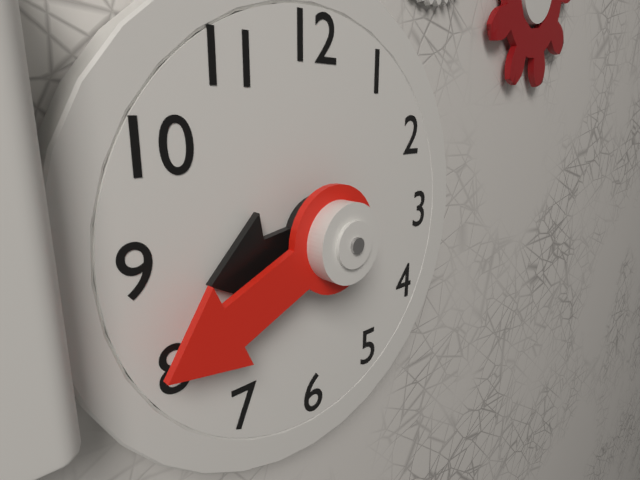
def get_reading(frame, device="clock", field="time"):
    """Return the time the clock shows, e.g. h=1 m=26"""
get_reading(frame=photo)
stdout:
h=8 m=41
